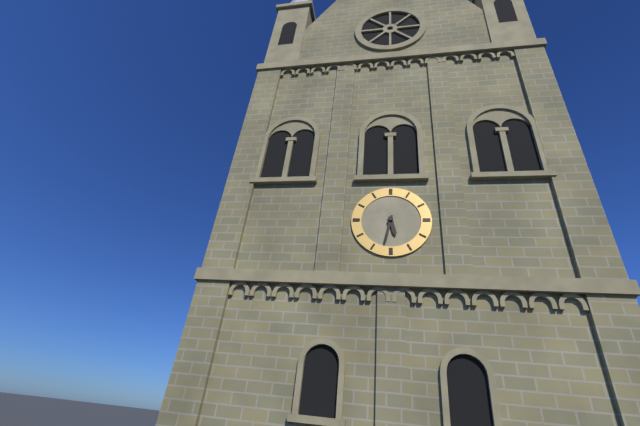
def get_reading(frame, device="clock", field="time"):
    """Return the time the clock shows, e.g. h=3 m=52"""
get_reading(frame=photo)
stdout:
h=5 m=32
